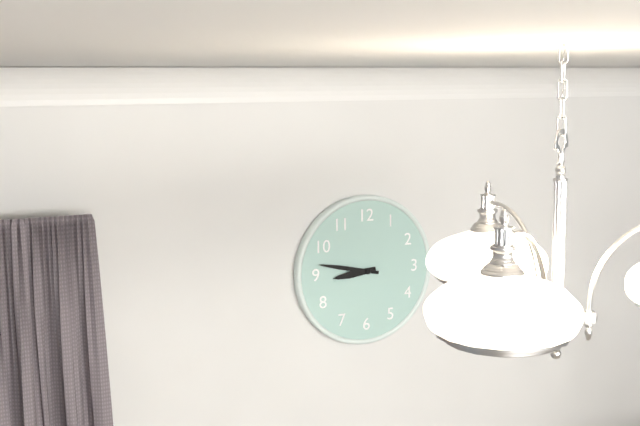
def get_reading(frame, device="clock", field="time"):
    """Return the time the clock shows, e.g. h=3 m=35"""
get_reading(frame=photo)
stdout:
h=8 m=47
